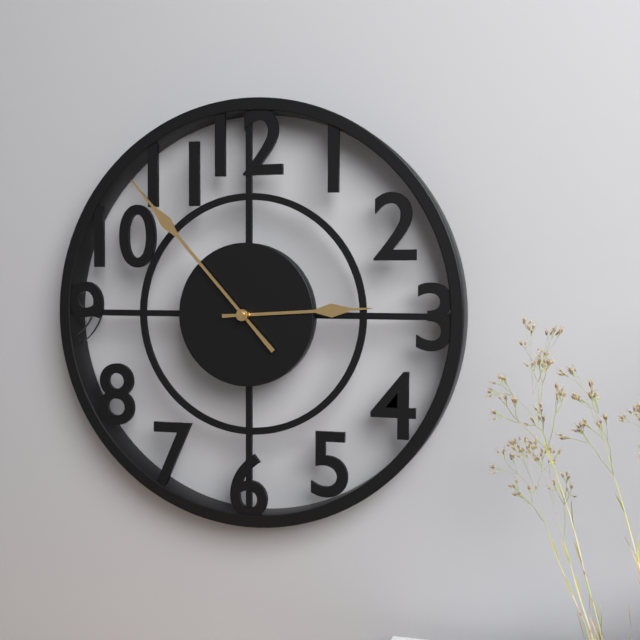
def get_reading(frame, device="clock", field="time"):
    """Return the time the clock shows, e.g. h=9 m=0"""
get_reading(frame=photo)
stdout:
h=2 m=53
